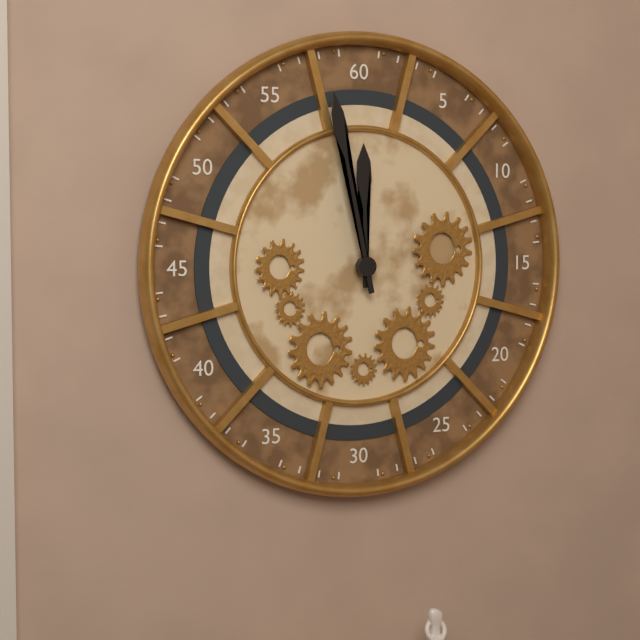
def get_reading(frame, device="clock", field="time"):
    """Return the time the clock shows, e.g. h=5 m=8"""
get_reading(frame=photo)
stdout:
h=11 m=58
